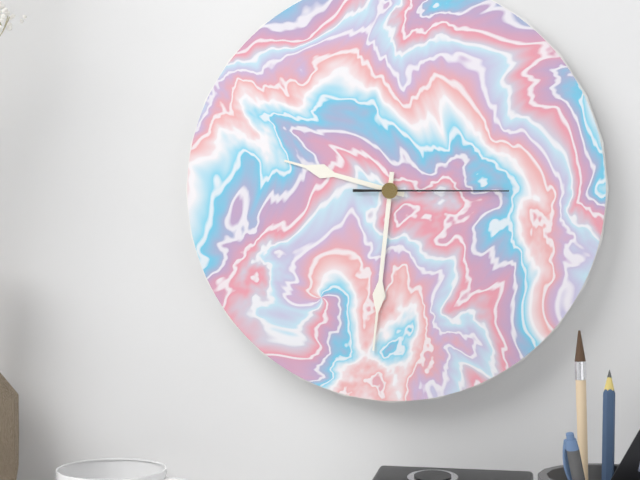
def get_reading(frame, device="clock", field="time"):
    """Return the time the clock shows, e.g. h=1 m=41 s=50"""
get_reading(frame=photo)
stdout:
h=9 m=31 s=15
